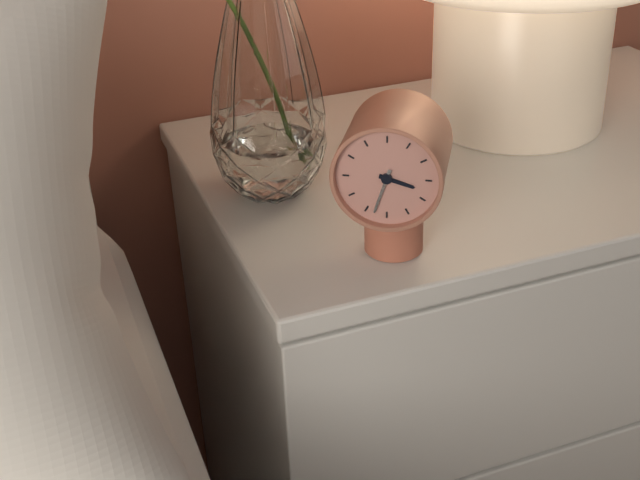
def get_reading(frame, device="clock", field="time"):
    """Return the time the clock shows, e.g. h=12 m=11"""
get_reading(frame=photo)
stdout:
h=3 m=33
